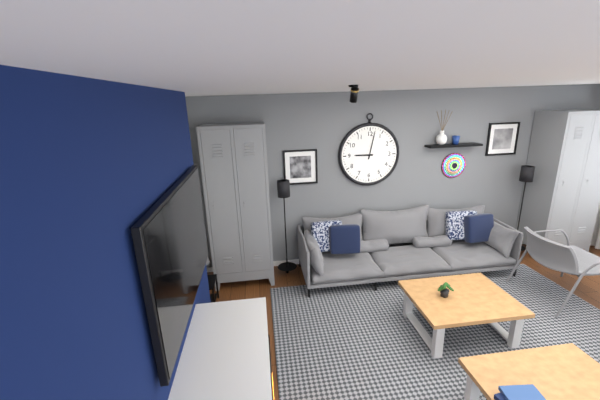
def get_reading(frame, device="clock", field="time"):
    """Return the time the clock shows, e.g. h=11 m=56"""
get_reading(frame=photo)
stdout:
h=9 m=2
